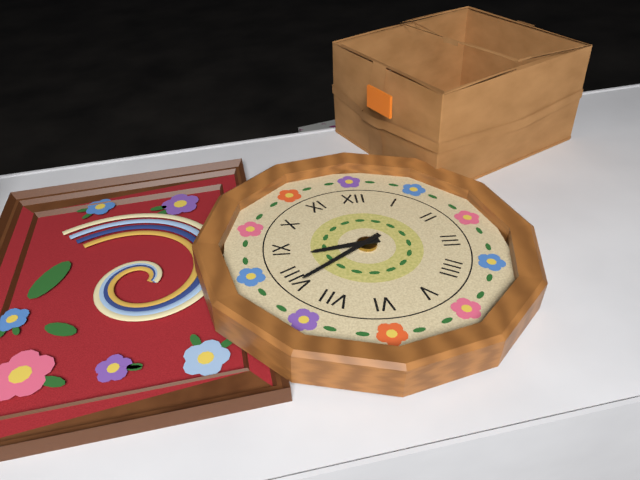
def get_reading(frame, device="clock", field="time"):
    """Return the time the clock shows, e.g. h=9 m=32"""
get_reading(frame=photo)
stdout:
h=8 m=39
